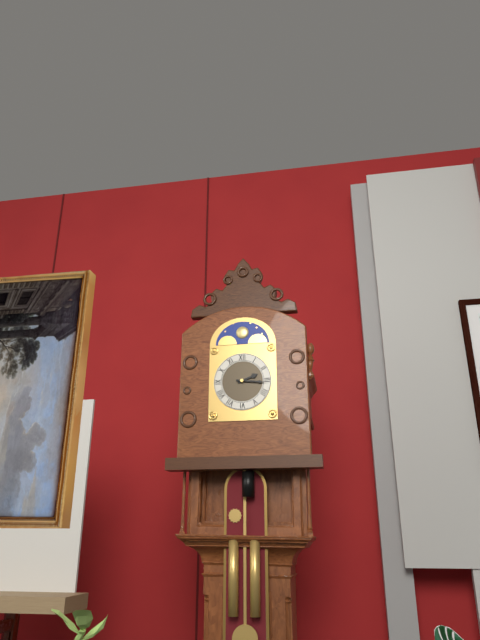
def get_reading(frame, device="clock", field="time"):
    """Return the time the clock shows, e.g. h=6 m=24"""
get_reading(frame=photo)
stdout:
h=2 m=16
